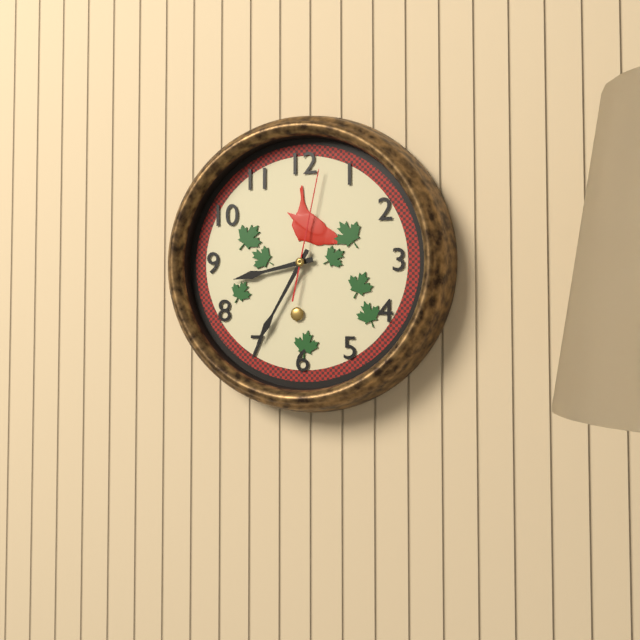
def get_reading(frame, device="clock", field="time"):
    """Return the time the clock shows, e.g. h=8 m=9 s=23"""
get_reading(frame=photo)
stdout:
h=8 m=35 s=2
